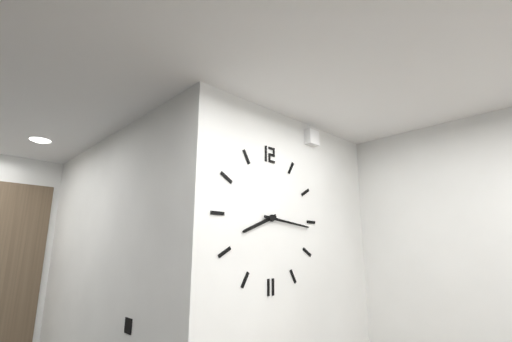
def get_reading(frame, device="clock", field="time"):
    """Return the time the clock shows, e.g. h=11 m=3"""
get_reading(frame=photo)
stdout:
h=8 m=16
